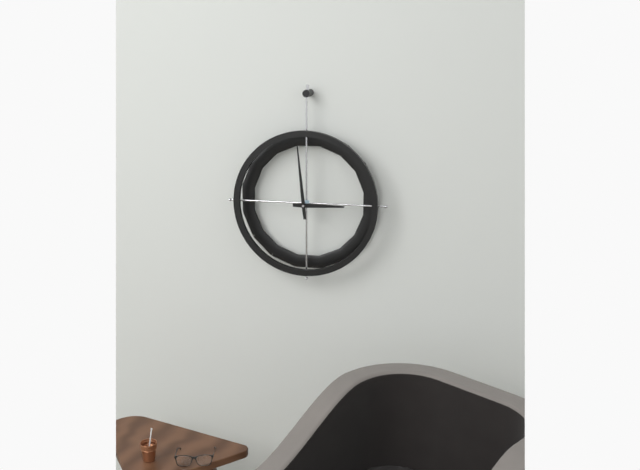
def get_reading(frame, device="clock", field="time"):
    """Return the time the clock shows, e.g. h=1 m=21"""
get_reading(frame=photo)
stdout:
h=2 m=59
